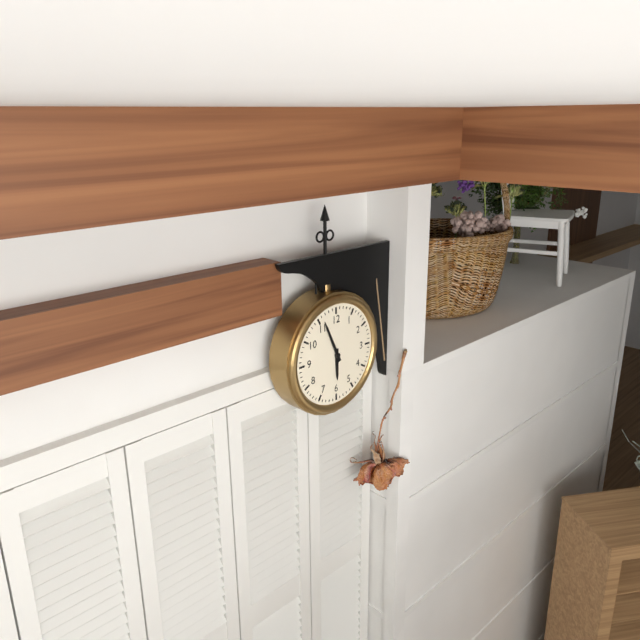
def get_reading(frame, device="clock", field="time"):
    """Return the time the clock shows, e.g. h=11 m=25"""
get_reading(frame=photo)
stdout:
h=5 m=56
